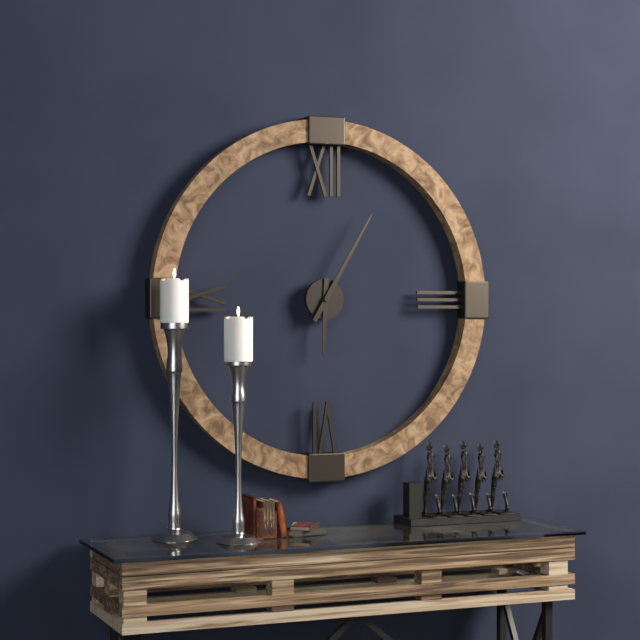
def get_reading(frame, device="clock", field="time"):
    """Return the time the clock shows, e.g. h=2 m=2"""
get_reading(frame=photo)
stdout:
h=6 m=5
